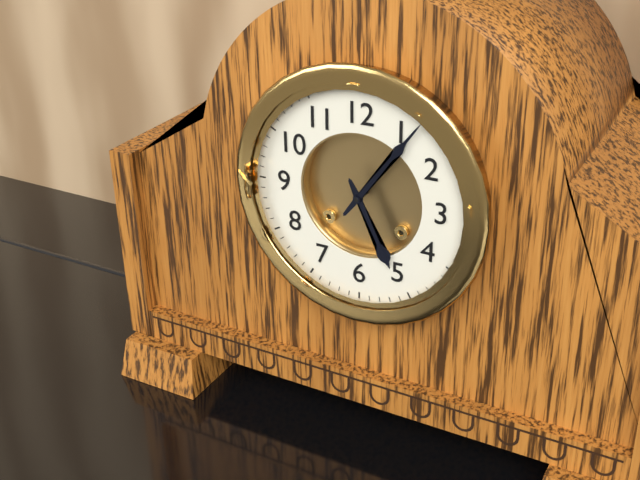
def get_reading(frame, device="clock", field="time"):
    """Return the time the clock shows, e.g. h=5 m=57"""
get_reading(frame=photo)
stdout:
h=5 m=6
